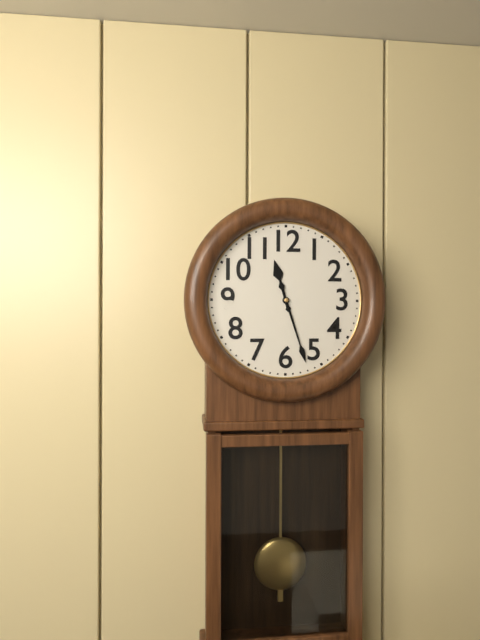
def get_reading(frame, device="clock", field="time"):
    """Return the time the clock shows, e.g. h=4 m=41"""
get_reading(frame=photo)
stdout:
h=11 m=27
